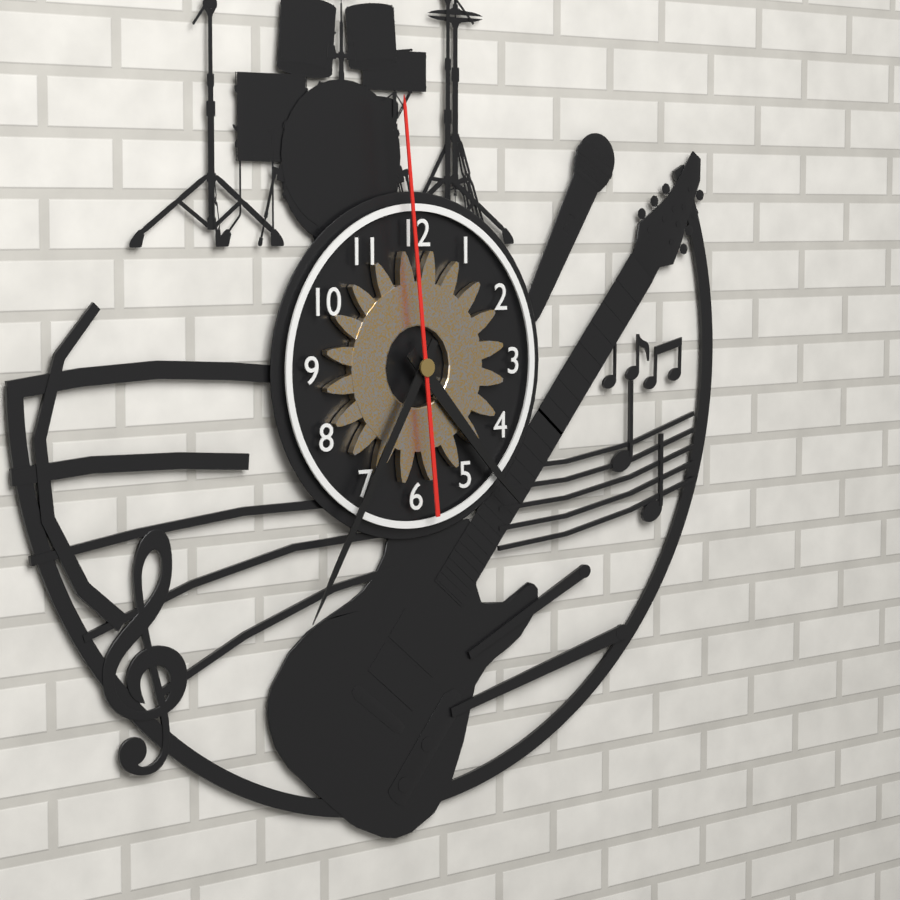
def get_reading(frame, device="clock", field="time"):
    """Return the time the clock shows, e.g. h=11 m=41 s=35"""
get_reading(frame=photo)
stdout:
h=4 m=35 s=59
